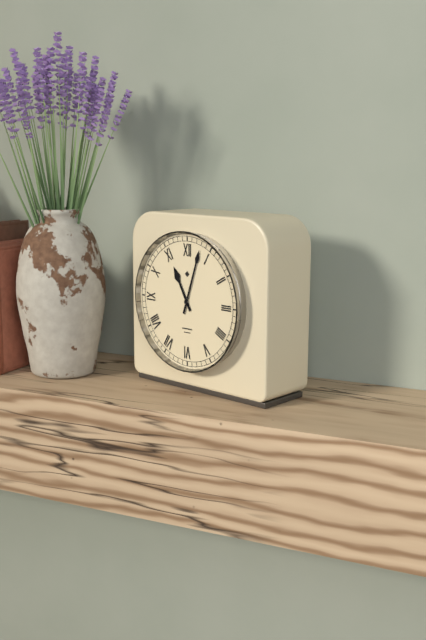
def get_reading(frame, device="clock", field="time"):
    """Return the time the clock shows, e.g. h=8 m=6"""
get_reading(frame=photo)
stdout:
h=11 m=3
